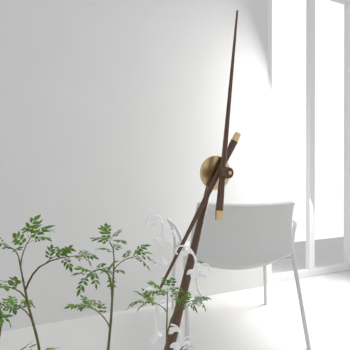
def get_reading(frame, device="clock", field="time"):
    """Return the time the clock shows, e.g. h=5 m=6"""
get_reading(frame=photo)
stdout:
h=7 m=1
